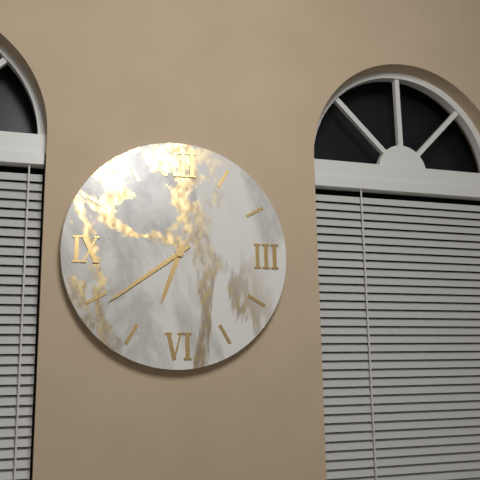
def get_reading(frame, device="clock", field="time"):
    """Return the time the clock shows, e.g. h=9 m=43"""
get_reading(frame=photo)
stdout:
h=6 m=39
